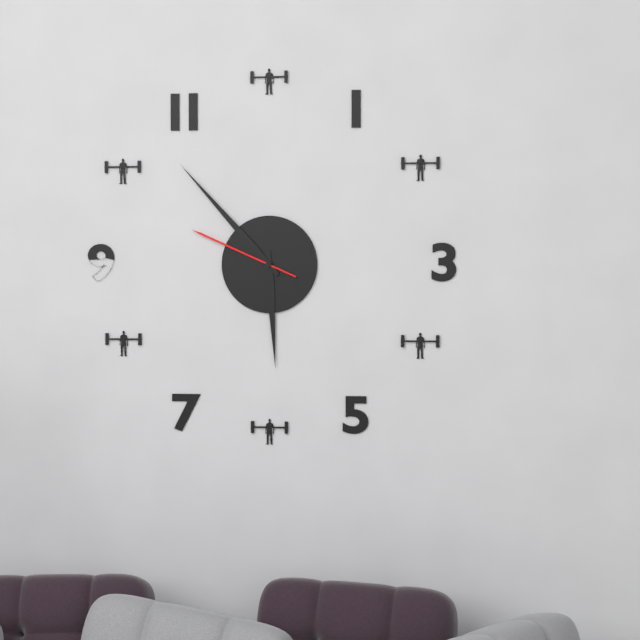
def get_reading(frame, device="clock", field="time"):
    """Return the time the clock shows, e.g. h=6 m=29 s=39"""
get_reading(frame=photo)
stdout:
h=5 m=53 s=49
